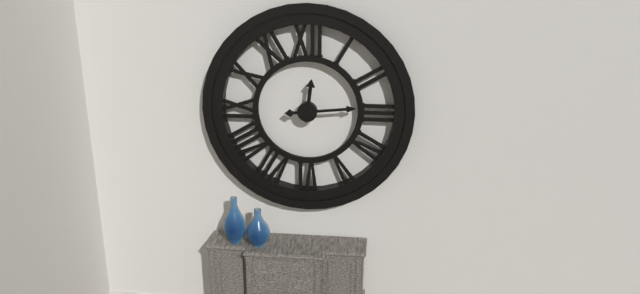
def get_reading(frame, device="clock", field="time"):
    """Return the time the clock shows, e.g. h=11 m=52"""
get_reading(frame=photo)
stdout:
h=12 m=14
